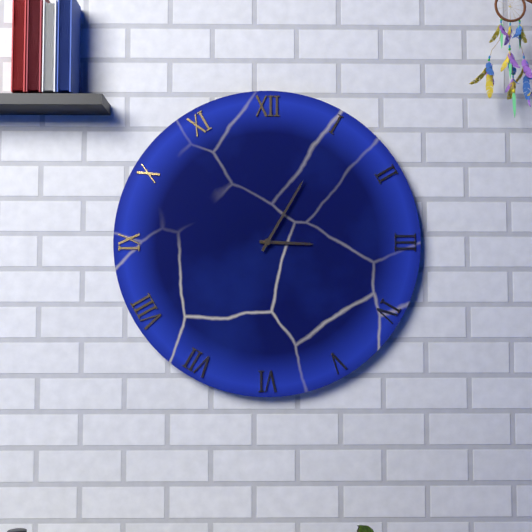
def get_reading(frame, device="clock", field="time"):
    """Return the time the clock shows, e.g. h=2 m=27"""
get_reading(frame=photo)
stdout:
h=3 m=5
